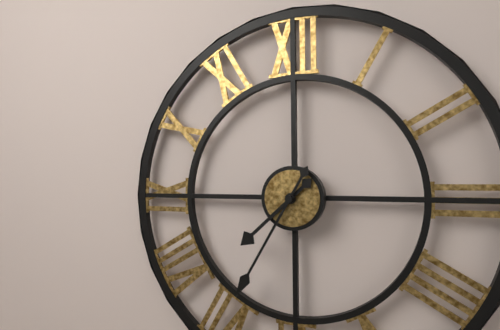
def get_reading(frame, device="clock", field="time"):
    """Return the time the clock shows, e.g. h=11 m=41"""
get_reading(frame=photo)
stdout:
h=7 m=35
